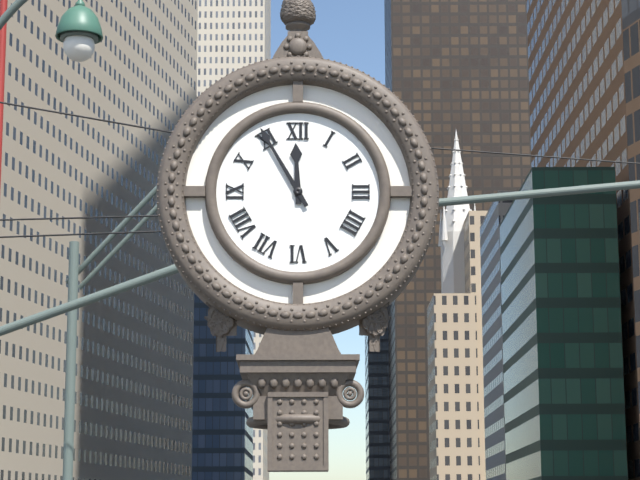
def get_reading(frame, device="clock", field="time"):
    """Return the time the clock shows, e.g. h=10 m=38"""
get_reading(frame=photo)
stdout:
h=11 m=55
